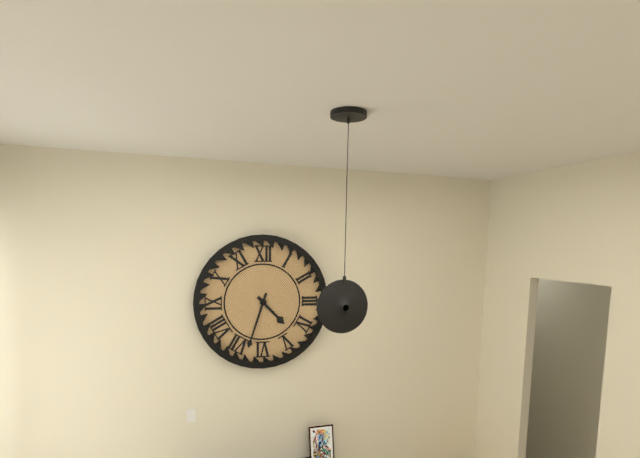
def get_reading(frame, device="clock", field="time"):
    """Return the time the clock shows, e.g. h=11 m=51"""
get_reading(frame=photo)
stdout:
h=4 m=33
